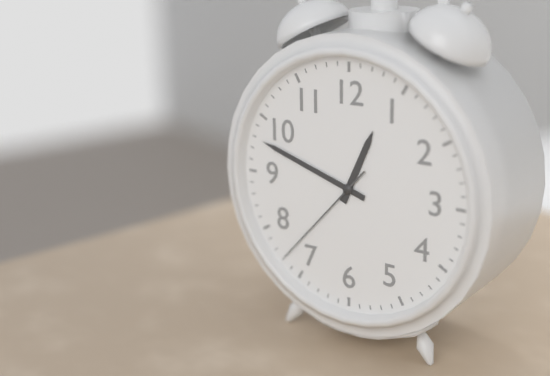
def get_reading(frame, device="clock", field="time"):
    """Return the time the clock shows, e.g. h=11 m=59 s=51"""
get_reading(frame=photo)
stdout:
h=12 m=48 s=37
